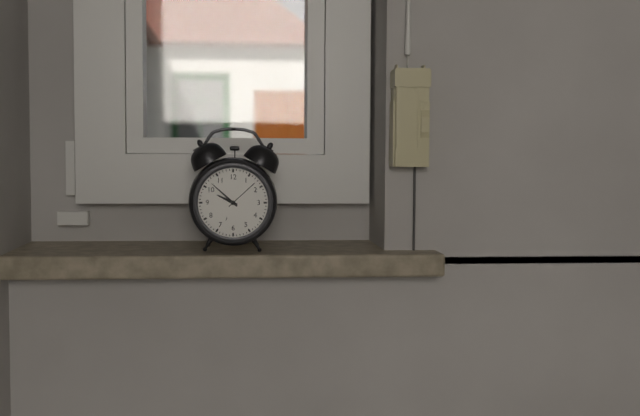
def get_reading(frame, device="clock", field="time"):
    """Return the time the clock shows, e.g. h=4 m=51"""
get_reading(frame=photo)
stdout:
h=9 m=52
